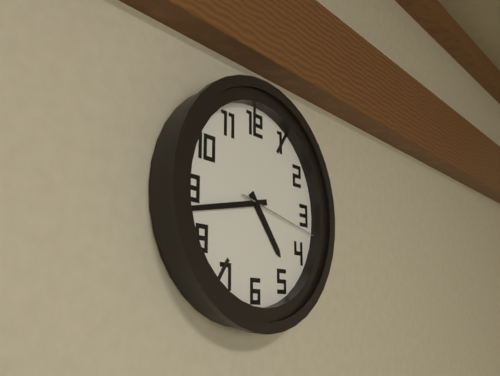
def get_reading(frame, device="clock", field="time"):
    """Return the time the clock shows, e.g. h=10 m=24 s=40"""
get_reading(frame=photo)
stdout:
h=4 m=43 s=17
